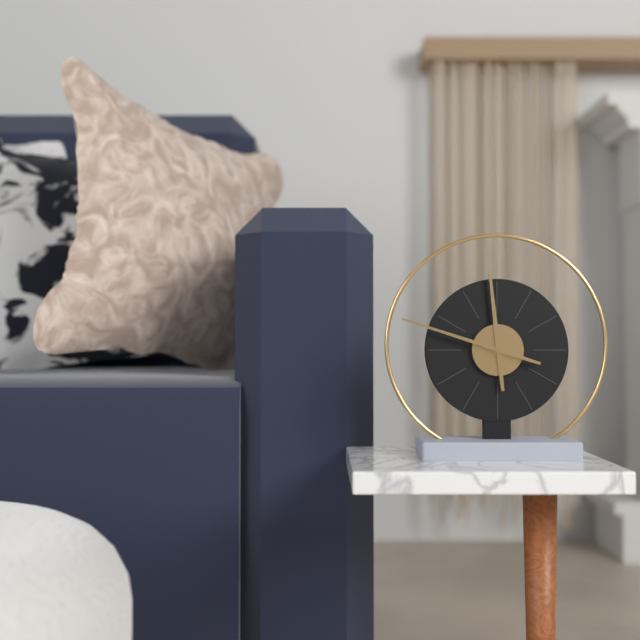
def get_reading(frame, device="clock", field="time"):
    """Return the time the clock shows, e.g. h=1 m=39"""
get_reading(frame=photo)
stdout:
h=11 m=48
